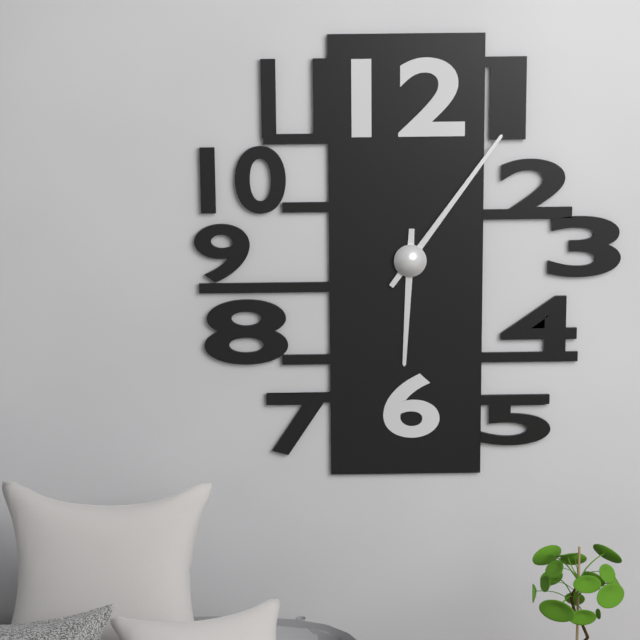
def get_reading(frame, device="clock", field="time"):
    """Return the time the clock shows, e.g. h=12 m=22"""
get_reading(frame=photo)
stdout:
h=6 m=6
